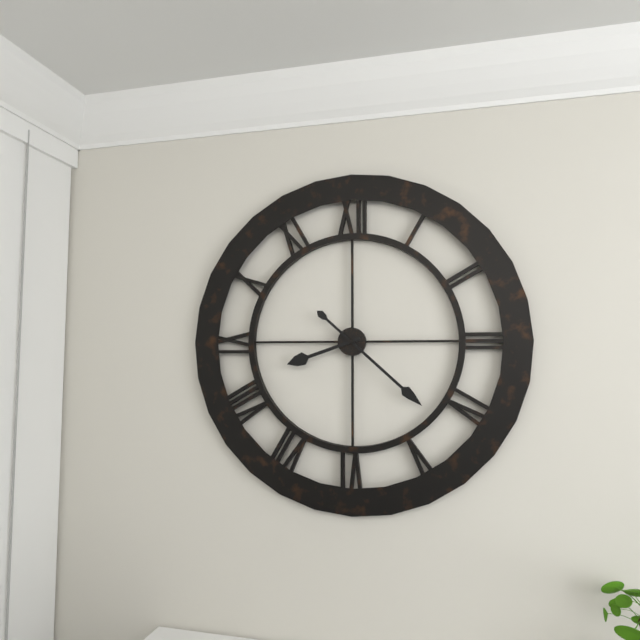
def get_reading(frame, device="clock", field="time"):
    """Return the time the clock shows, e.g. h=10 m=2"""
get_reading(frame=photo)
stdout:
h=8 m=22
